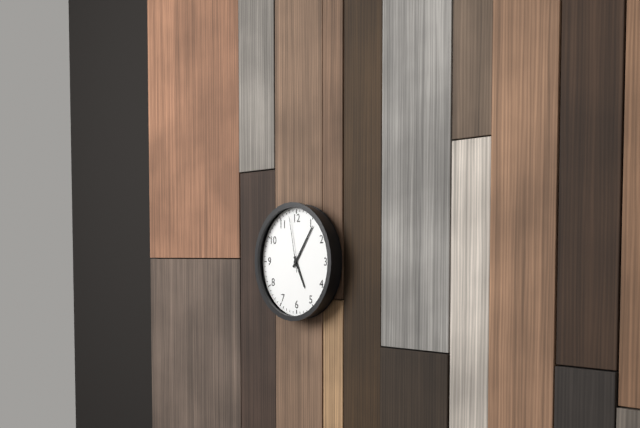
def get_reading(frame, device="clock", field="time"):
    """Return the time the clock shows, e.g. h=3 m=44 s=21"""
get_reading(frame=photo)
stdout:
h=5 m=6 s=58
